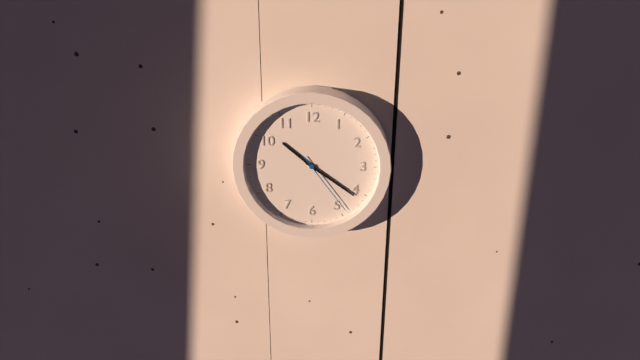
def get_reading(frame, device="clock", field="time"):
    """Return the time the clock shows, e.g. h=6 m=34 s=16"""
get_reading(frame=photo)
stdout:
h=10 m=21 s=24
